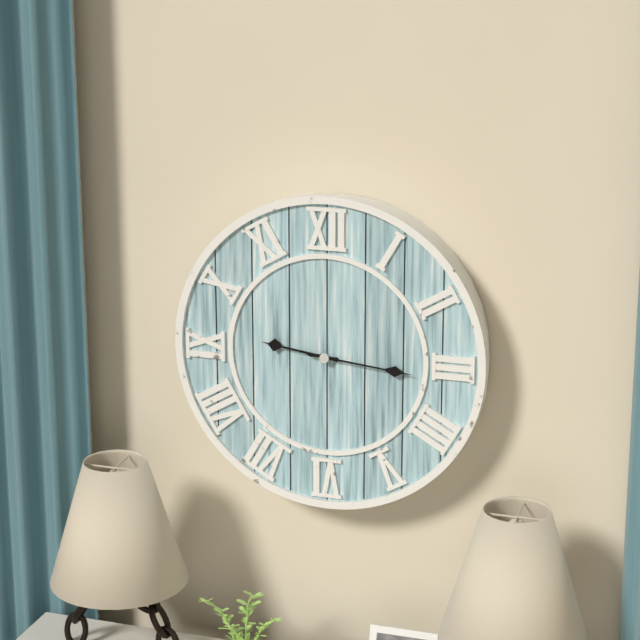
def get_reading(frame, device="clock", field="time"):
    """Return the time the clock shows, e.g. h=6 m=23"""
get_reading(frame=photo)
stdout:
h=9 m=16
